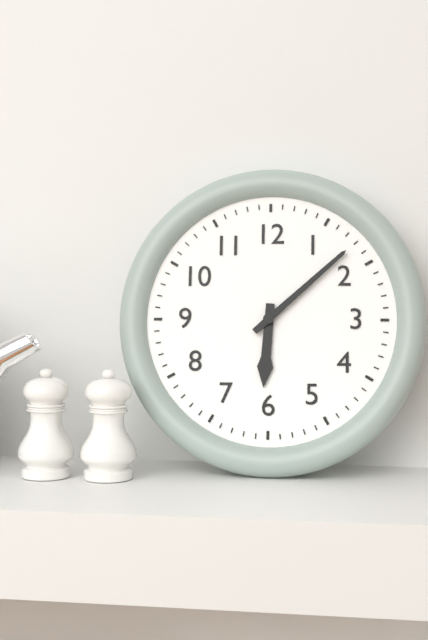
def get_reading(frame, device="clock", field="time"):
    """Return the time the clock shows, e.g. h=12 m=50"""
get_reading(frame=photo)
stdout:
h=6 m=8
